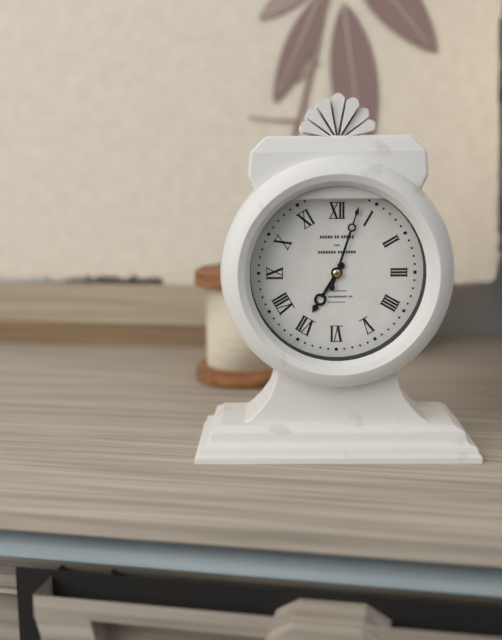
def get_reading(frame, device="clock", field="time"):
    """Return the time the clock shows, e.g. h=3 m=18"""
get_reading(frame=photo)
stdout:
h=7 m=3
